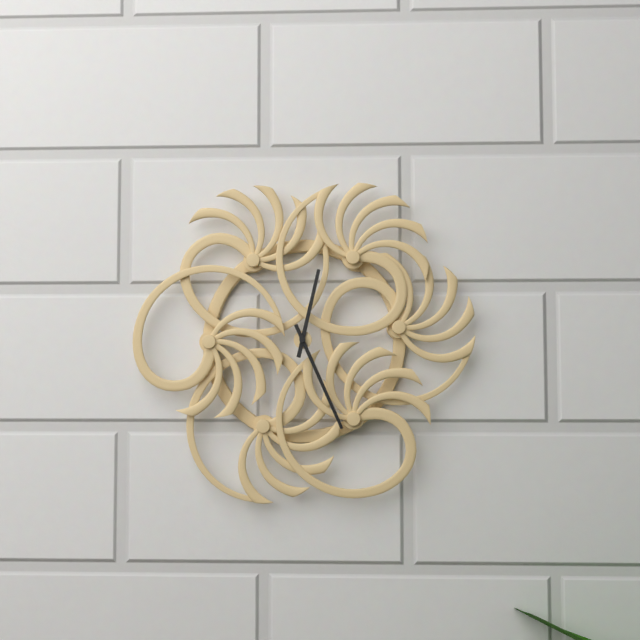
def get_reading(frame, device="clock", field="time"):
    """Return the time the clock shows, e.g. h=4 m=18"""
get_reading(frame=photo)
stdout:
h=12 m=26
